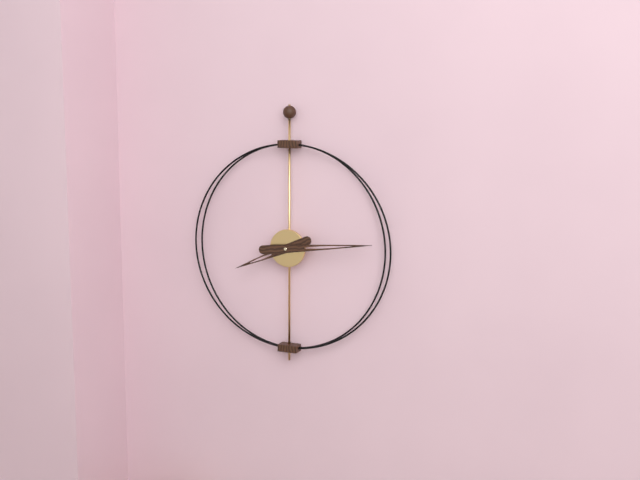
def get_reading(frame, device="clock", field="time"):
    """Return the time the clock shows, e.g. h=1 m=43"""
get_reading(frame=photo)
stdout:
h=8 m=14
